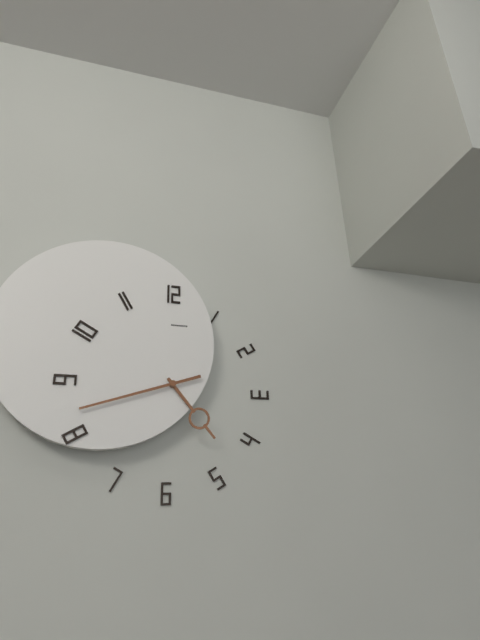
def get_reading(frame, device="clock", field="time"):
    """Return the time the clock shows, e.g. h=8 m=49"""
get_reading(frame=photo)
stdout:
h=4 m=42
